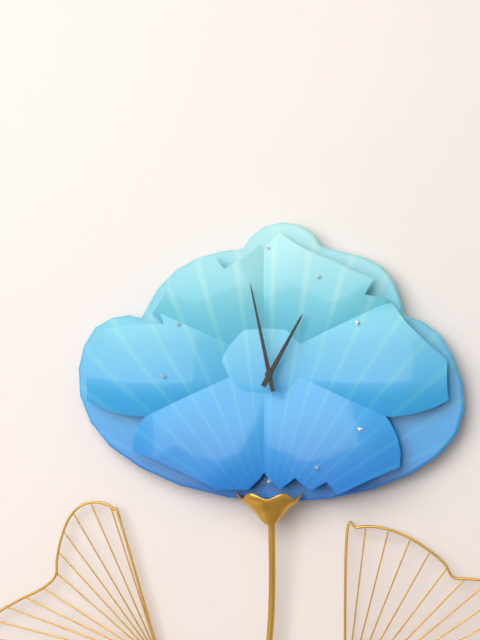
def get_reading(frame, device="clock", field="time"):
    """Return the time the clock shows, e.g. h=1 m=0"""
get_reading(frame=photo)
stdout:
h=12 m=58
